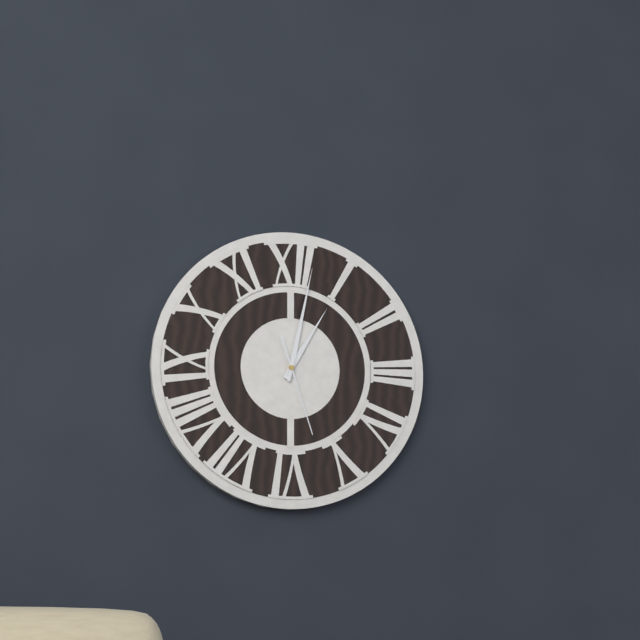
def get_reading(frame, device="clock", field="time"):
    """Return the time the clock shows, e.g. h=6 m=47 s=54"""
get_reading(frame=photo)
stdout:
h=1 m=2 s=27
